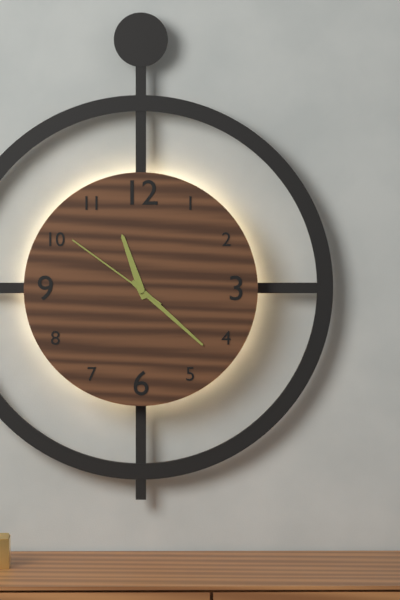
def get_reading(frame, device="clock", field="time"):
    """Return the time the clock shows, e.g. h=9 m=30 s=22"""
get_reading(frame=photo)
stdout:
h=11 m=22 s=51
